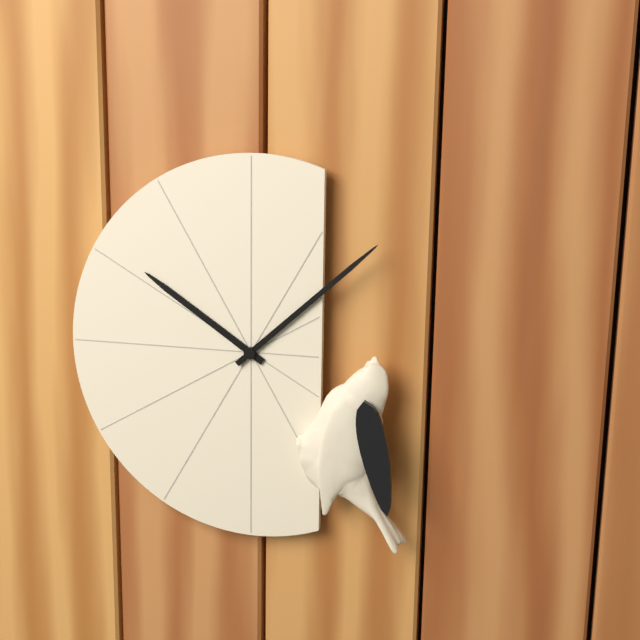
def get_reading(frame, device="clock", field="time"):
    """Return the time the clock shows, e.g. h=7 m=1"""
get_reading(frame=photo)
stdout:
h=10 m=8
